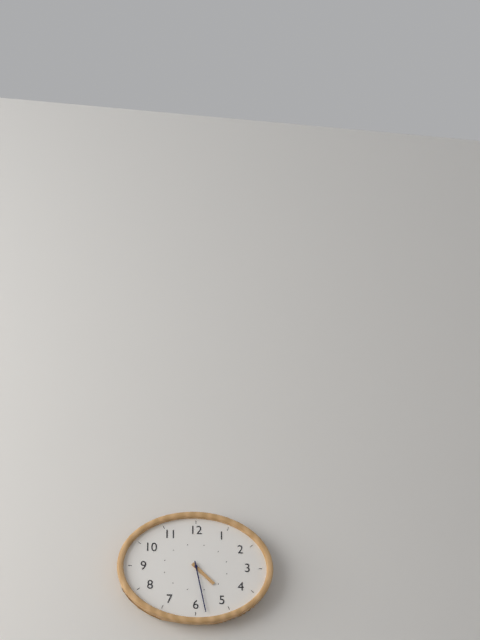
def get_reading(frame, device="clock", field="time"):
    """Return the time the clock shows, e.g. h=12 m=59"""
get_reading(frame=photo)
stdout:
h=4 m=28
